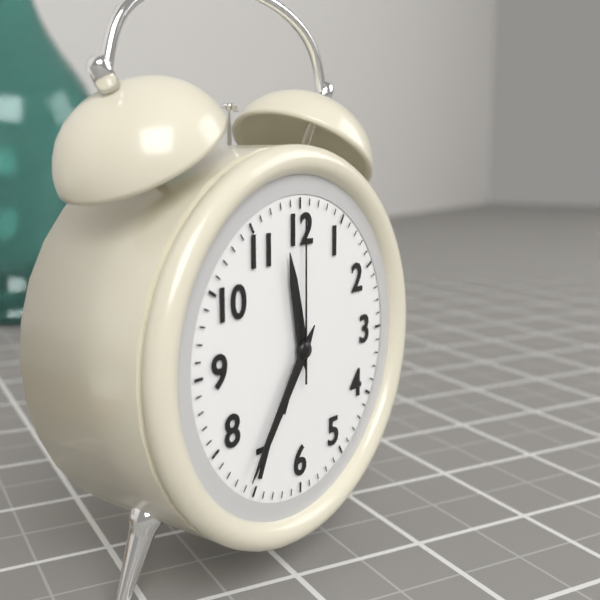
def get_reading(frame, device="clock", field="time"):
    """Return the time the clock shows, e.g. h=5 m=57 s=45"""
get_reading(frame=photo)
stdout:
h=11 m=36 s=0
